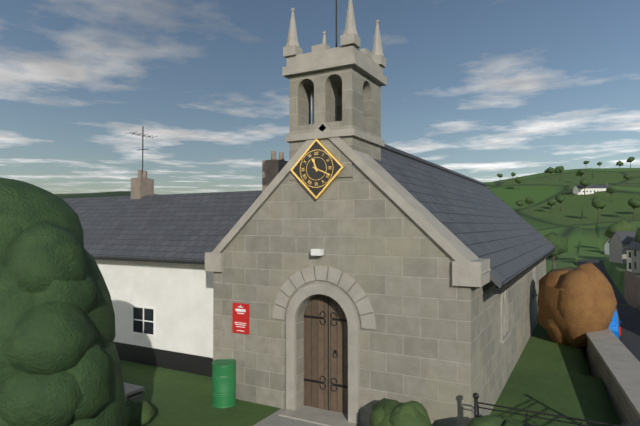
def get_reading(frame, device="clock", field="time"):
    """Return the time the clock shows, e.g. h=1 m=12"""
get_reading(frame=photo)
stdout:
h=11 m=19
